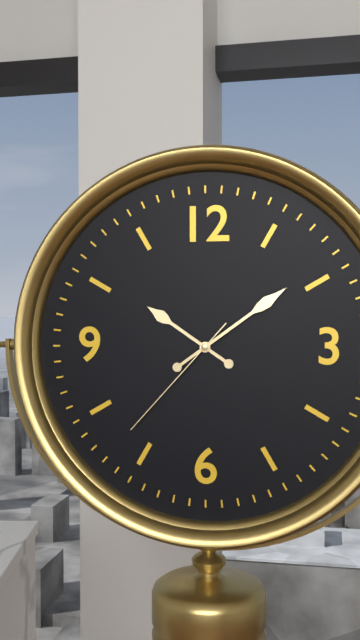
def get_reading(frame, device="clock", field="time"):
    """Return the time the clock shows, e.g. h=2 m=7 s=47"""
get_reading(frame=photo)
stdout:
h=10 m=9 s=37
